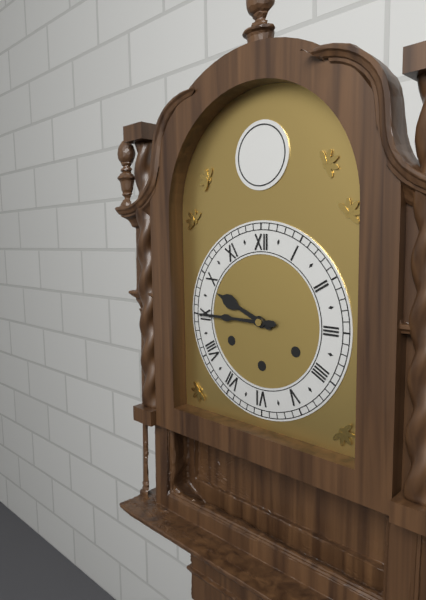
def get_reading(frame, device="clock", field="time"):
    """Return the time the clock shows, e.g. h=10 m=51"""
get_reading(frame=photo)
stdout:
h=9 m=45
